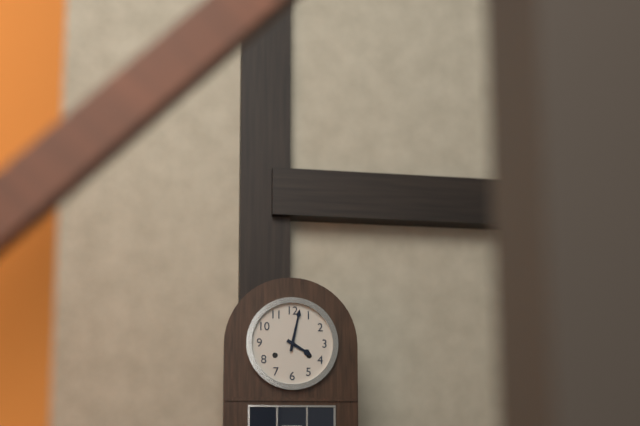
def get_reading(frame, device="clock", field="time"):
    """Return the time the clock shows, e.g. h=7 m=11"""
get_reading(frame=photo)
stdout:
h=4 m=2
